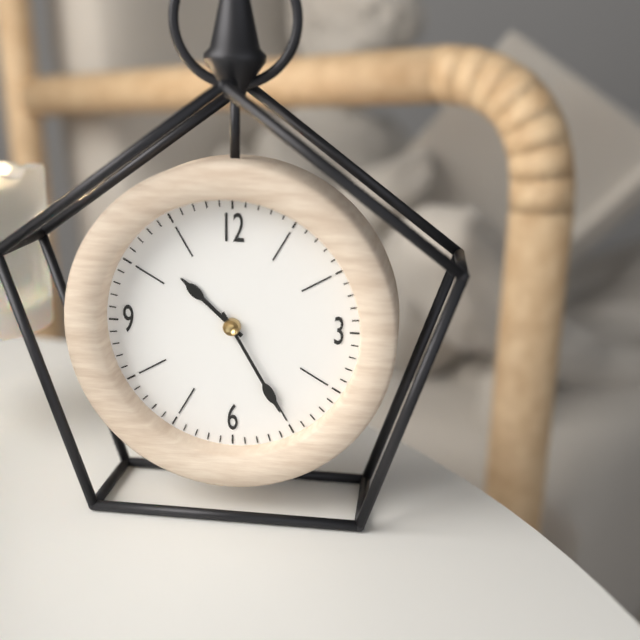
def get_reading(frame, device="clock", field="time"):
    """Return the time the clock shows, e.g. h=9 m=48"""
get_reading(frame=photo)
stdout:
h=10 m=25
